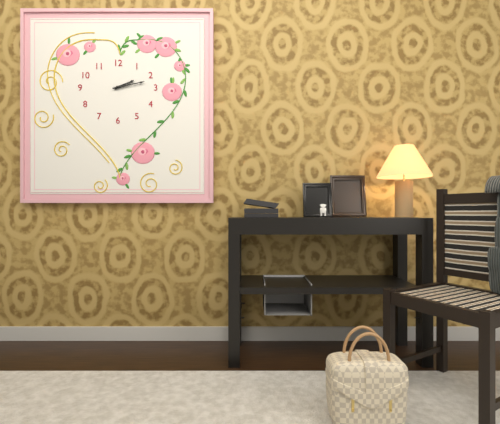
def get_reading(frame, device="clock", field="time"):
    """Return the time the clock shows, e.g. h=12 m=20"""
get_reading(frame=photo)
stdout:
h=2 m=13
